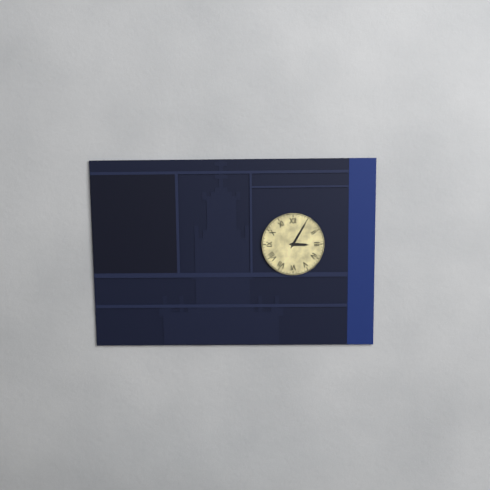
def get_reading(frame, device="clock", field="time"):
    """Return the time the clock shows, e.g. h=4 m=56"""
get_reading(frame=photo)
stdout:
h=3 m=5
